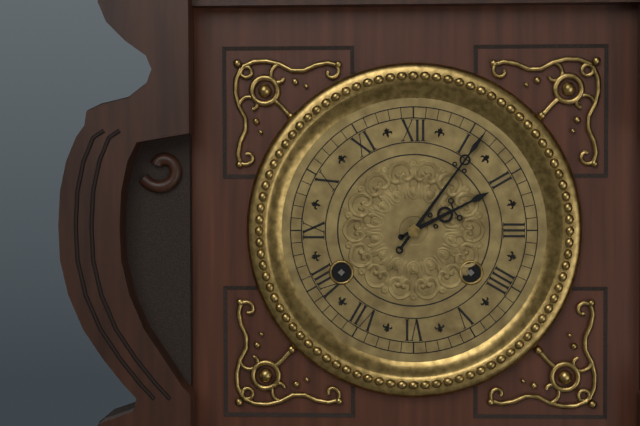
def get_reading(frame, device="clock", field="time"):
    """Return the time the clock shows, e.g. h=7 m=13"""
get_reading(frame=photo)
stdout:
h=2 m=6
